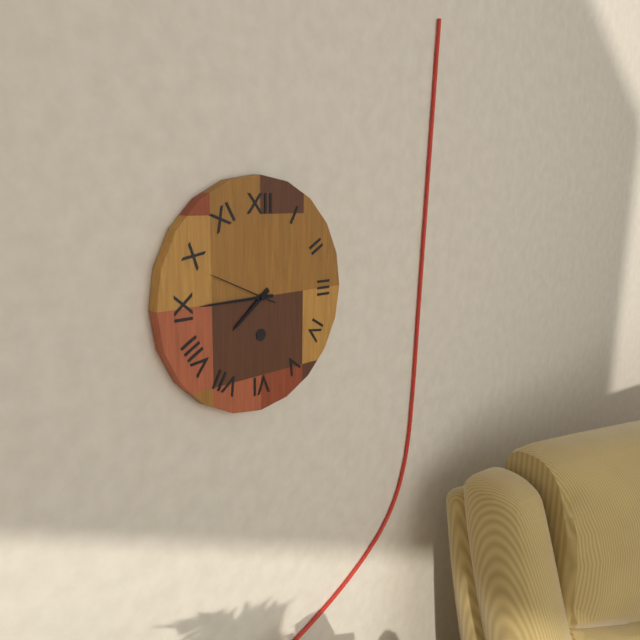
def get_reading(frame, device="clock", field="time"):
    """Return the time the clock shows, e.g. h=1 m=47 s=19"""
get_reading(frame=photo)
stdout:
h=7 m=45 s=49
